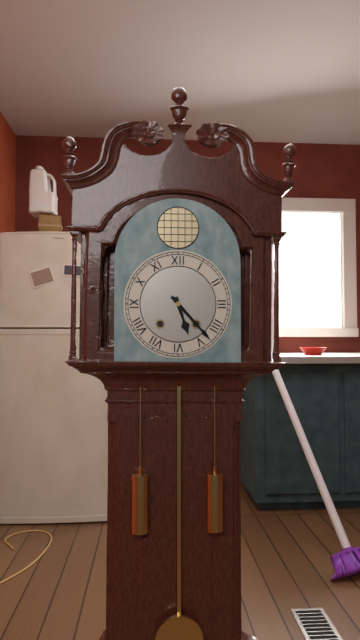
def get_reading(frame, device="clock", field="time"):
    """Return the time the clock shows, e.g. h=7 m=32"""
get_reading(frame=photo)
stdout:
h=5 m=23
